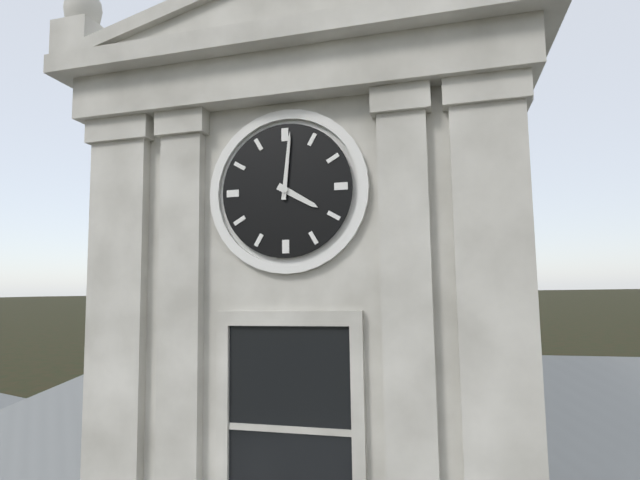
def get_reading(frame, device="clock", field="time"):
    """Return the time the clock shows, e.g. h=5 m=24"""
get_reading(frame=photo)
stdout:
h=4 m=1
